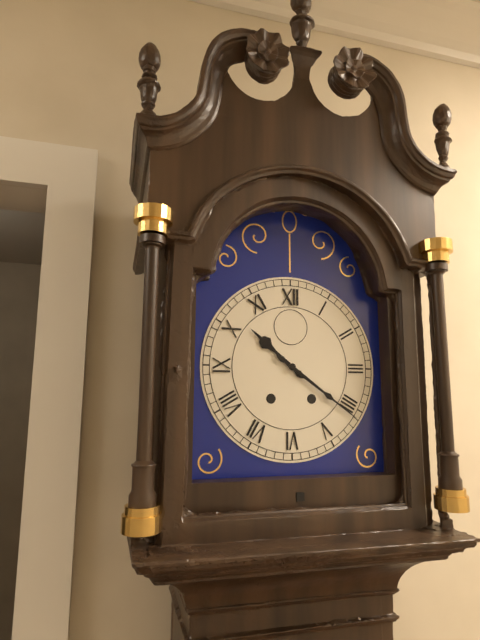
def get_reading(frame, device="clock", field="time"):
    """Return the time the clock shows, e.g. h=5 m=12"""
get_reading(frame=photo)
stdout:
h=10 m=21
